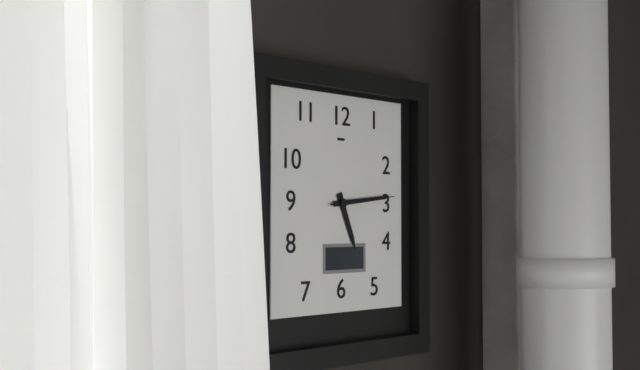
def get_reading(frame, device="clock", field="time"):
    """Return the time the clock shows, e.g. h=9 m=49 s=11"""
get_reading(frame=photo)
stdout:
h=5 m=14 s=14
